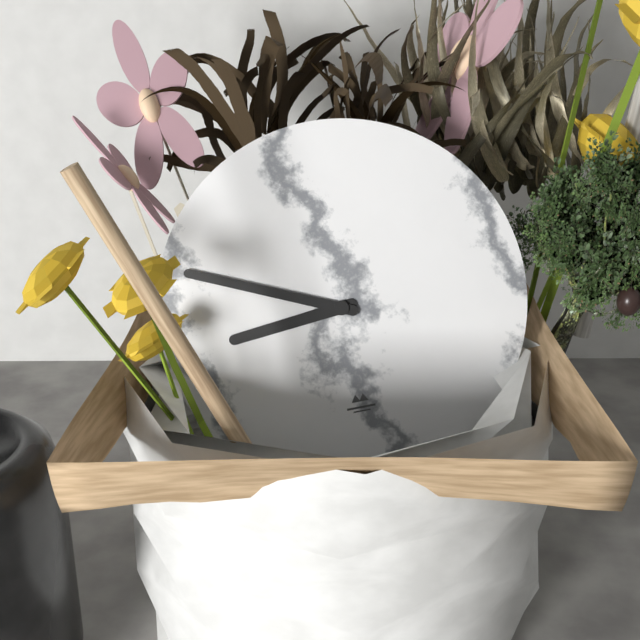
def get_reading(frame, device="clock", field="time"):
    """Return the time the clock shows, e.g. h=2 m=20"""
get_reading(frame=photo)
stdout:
h=8 m=49
